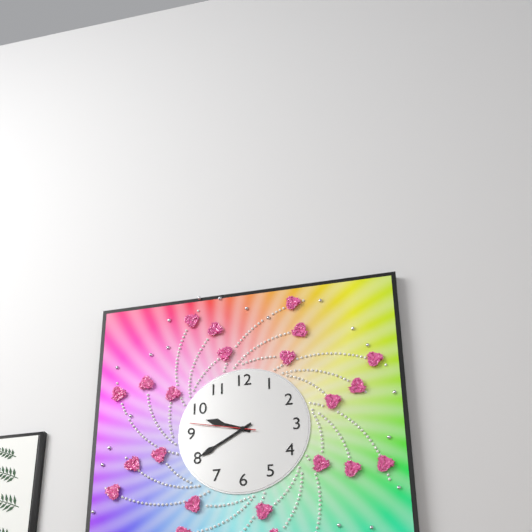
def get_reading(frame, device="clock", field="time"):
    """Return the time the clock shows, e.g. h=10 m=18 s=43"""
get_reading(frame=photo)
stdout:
h=9 m=40 s=47
